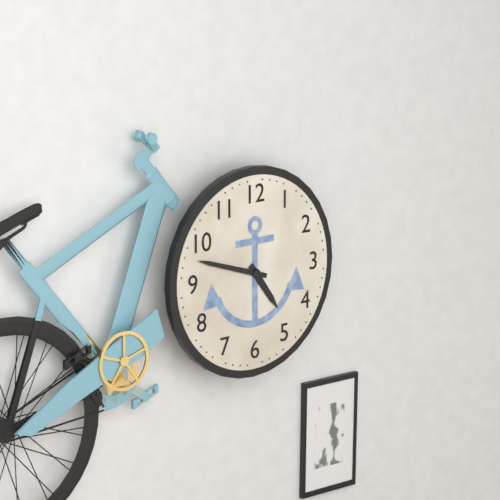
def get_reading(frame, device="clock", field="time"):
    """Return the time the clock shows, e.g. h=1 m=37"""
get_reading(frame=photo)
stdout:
h=4 m=48
